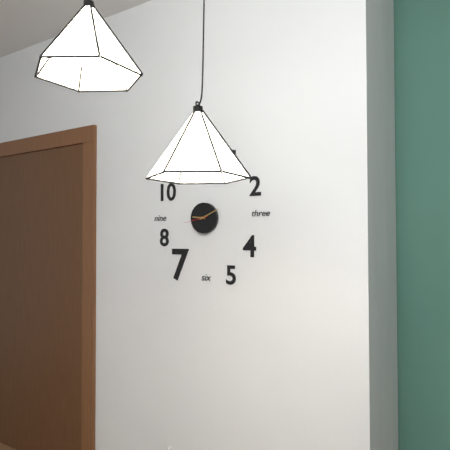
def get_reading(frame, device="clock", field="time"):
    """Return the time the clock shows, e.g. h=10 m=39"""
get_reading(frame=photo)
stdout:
h=9 m=11
